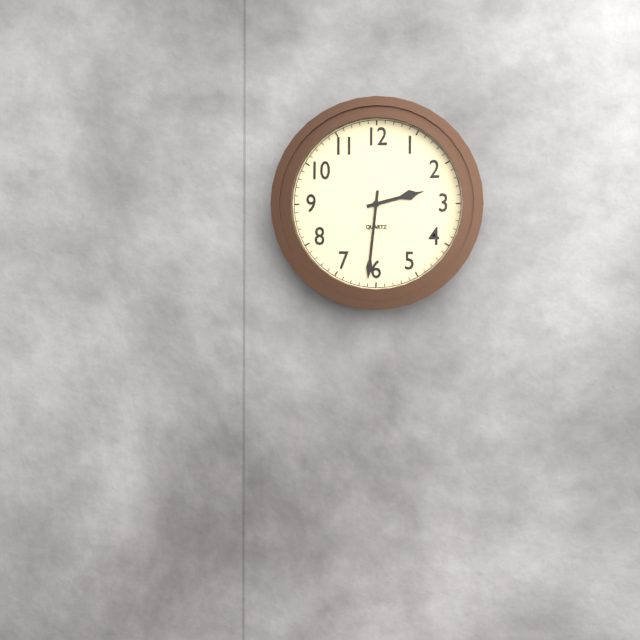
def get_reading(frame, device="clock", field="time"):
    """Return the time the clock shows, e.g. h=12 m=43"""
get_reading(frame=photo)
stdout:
h=2 m=31
